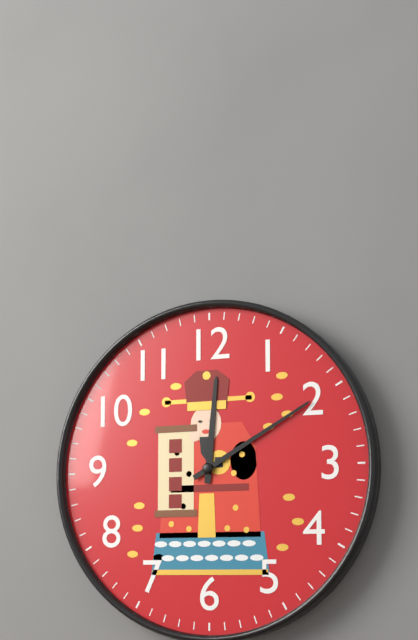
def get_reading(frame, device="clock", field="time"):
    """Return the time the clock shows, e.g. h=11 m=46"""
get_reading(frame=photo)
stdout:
h=12 m=10
